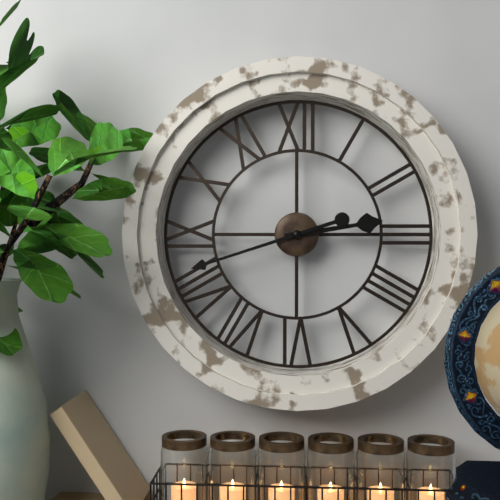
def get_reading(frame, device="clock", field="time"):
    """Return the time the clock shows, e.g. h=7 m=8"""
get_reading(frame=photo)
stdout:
h=2 m=42
